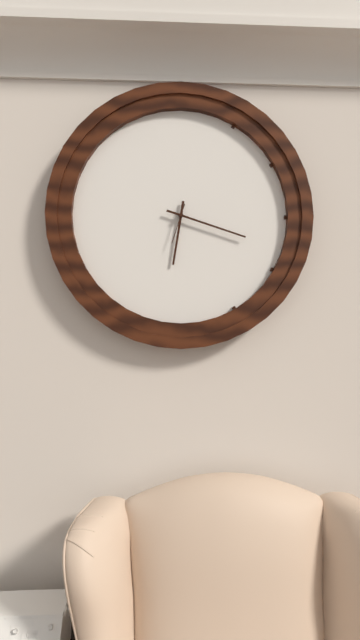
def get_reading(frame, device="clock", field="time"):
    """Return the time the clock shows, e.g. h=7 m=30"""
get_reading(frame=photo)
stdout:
h=6 m=18
